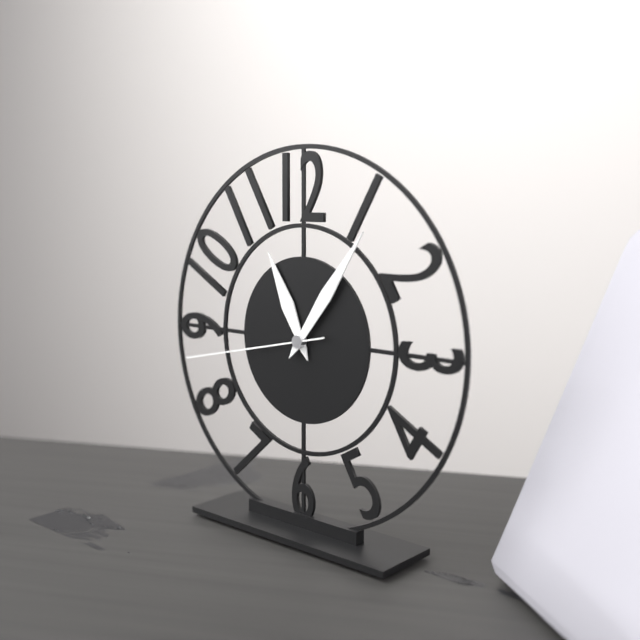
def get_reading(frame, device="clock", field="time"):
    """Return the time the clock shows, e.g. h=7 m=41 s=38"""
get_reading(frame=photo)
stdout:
h=11 m=6 s=43
